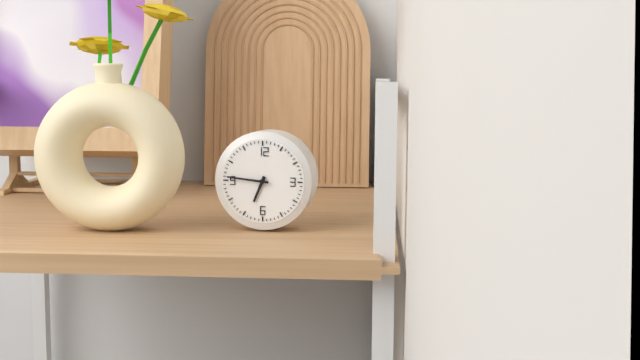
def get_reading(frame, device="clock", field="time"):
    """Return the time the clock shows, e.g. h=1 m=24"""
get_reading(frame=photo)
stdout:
h=6 m=46
